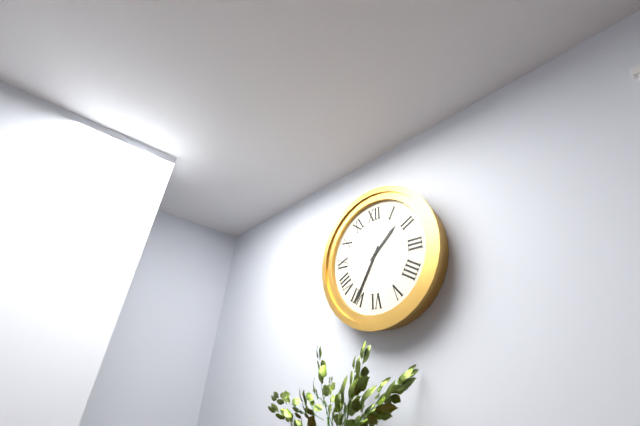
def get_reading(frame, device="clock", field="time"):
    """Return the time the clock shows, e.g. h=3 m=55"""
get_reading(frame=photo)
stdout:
h=1 m=35
